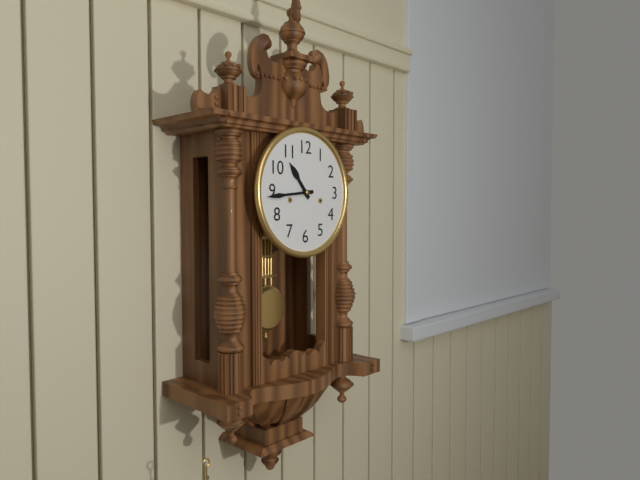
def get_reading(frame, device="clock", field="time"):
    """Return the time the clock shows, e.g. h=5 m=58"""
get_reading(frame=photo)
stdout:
h=10 m=44
